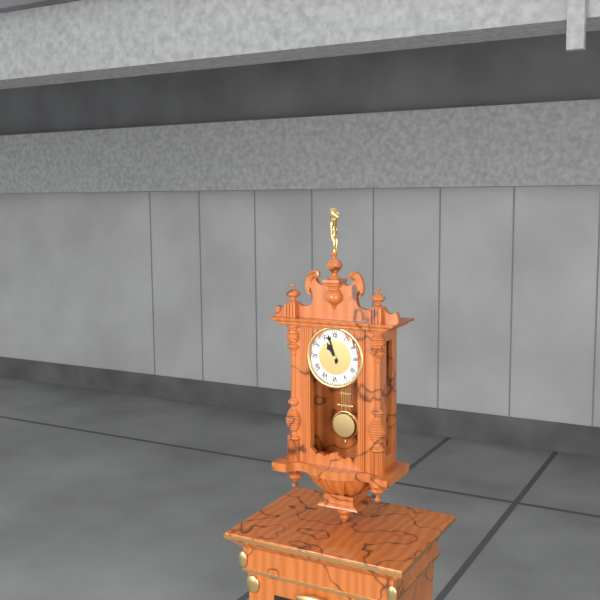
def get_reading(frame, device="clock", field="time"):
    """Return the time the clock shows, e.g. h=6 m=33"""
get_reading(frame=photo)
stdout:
h=10 m=57
